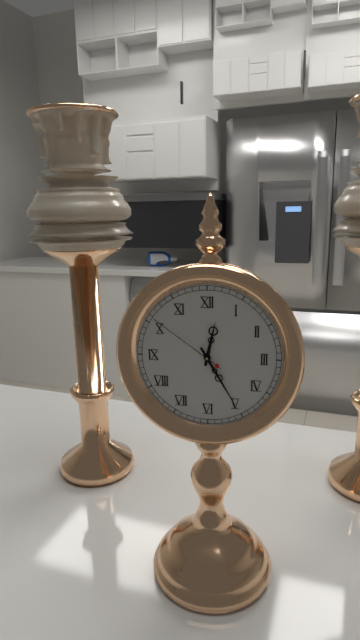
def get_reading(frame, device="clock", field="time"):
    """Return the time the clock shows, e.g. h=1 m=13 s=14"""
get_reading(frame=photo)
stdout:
h=12 m=25 s=51
